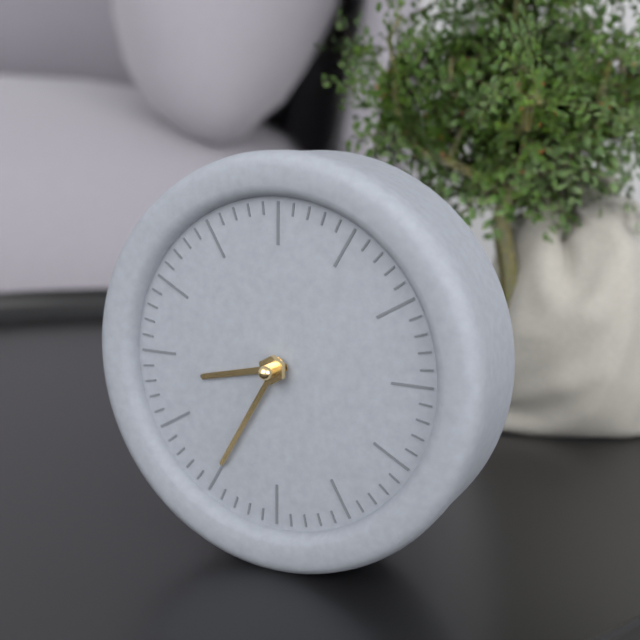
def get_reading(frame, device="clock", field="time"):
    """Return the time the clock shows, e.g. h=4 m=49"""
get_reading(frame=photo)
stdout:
h=8 m=35
